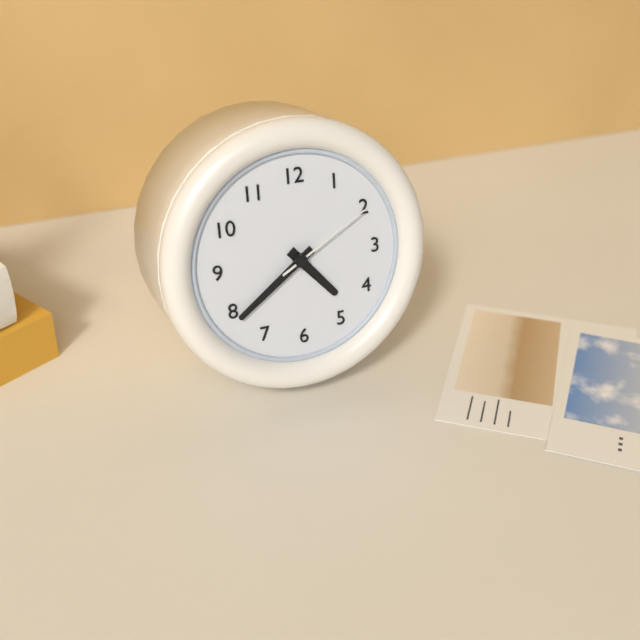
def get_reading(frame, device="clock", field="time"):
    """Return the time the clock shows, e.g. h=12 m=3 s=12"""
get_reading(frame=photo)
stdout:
h=4 m=39 s=10
